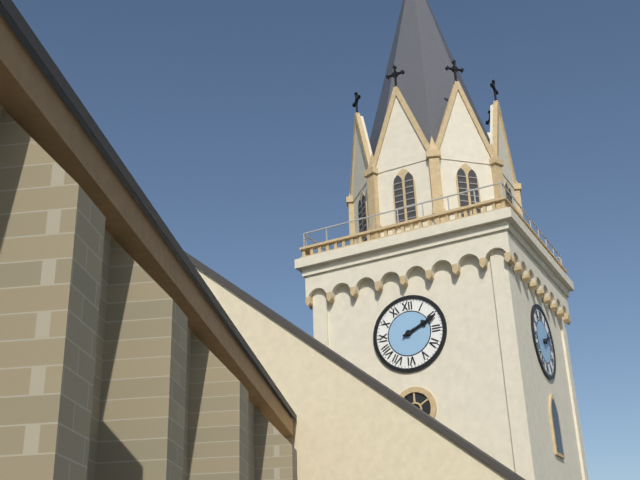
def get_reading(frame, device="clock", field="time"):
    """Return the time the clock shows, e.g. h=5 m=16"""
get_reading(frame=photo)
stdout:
h=2 m=11
